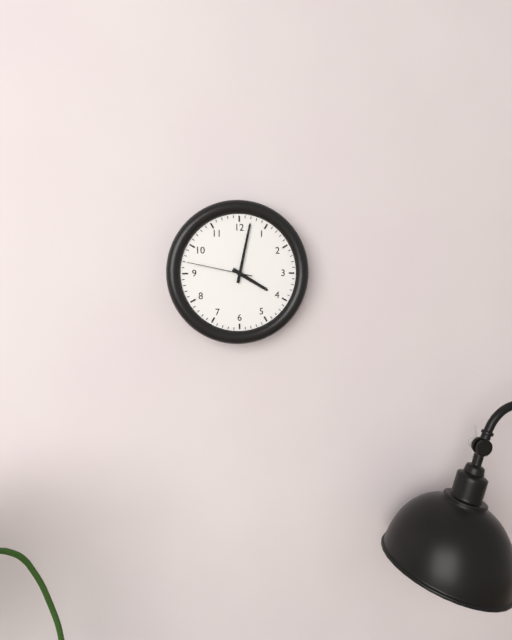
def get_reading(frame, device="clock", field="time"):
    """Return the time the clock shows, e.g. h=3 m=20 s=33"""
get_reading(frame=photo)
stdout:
h=4 m=2 s=47
